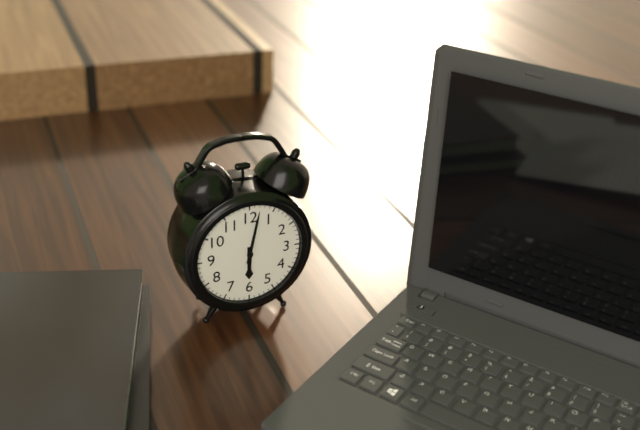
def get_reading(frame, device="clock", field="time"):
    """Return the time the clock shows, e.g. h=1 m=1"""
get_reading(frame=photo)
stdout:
h=6 m=2
